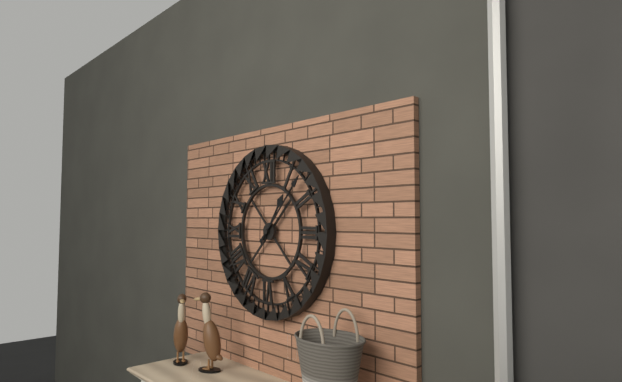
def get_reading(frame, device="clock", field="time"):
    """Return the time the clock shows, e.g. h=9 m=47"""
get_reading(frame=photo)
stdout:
h=1 m=7
